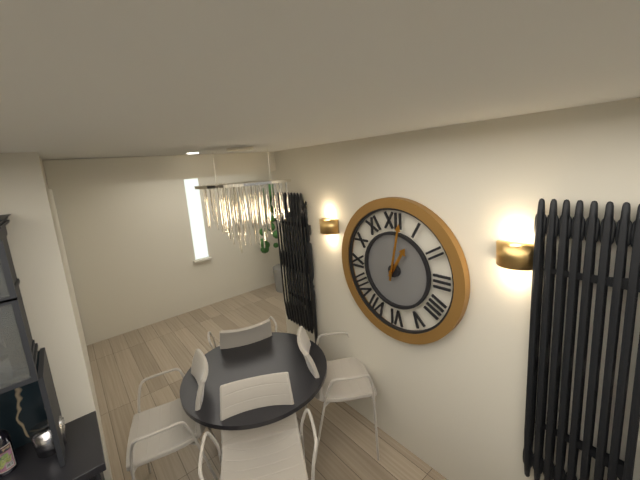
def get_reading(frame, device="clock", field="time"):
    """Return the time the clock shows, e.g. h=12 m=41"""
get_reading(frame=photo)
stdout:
h=1 m=2
